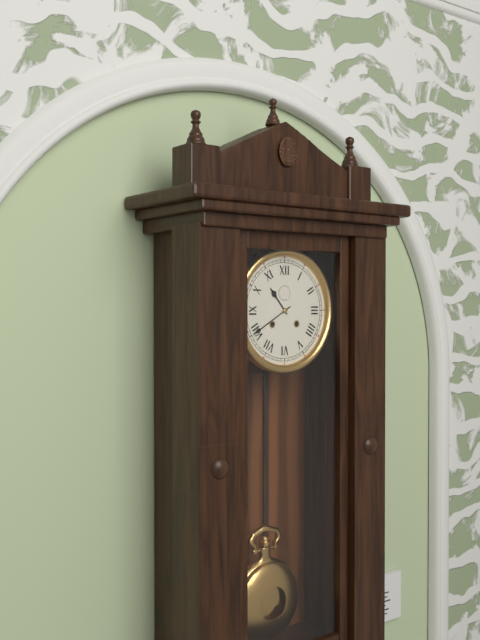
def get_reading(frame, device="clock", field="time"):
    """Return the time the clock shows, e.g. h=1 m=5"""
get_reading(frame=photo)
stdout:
h=10 m=40
